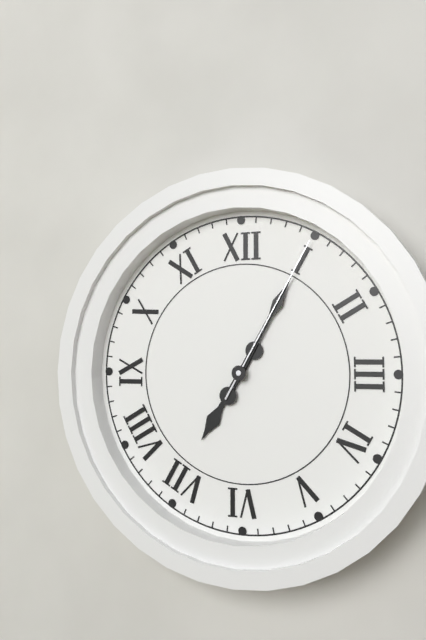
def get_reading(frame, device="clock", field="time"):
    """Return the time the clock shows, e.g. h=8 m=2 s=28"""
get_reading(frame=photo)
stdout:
h=7 m=5 s=5
